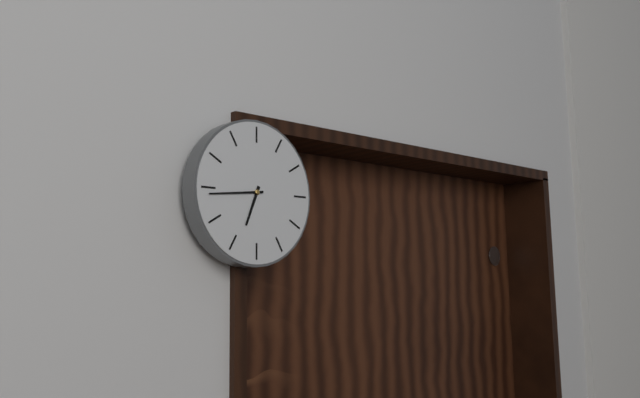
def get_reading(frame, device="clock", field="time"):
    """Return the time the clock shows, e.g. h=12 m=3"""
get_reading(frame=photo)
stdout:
h=6 m=44
